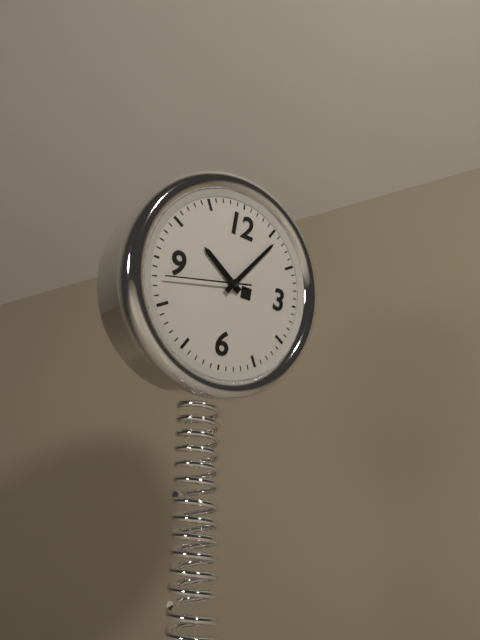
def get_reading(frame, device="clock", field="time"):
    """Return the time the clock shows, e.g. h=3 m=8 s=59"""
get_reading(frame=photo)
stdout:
h=10 m=6 s=43
